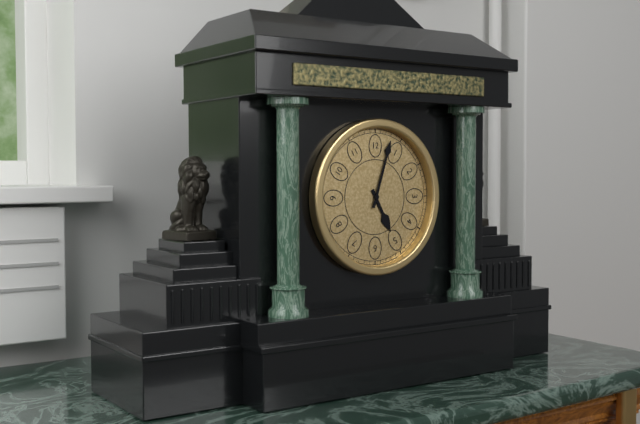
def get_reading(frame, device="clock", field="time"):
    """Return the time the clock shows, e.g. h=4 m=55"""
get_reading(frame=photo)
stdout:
h=5 m=3
